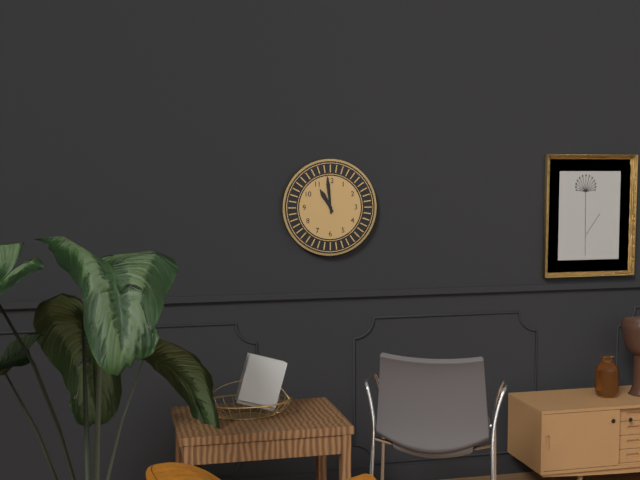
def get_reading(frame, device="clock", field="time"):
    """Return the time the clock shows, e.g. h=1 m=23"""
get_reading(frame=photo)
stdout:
h=10 m=59
